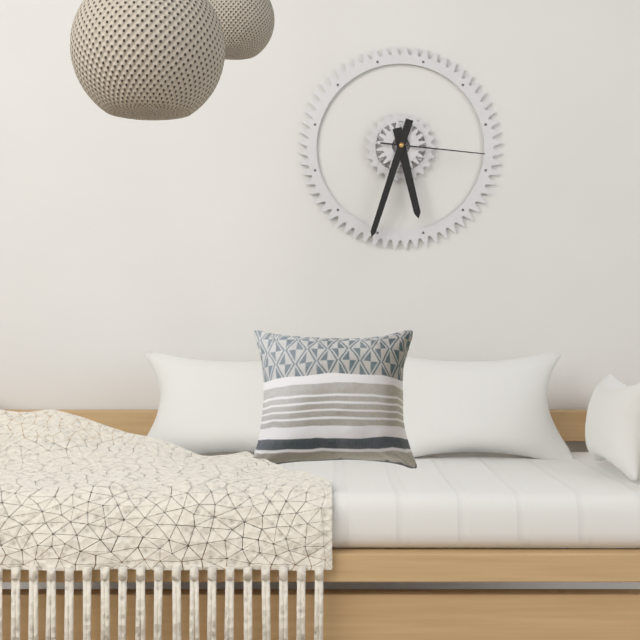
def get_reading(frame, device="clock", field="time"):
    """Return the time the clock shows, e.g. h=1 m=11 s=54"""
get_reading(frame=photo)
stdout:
h=5 m=33 s=16
